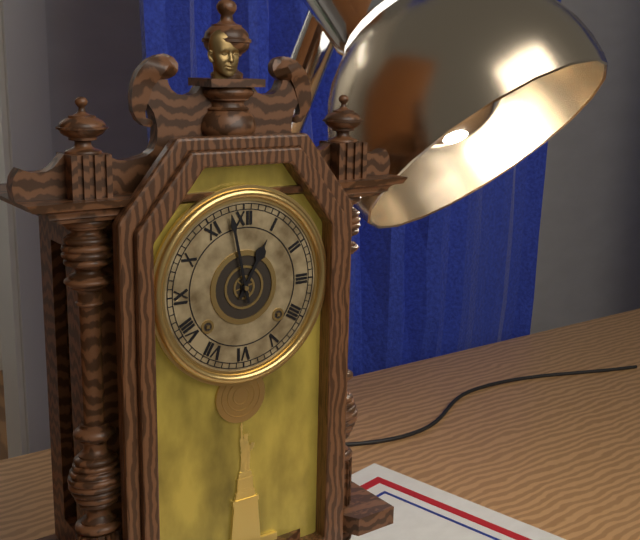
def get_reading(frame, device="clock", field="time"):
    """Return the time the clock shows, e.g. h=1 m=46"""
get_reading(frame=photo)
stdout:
h=12 m=58
